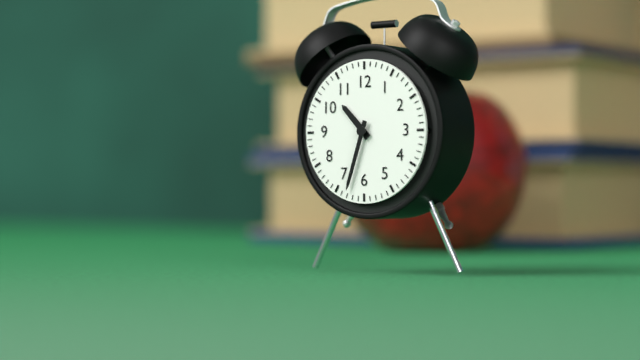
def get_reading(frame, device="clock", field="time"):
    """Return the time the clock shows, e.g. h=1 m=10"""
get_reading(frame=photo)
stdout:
h=10 m=33
